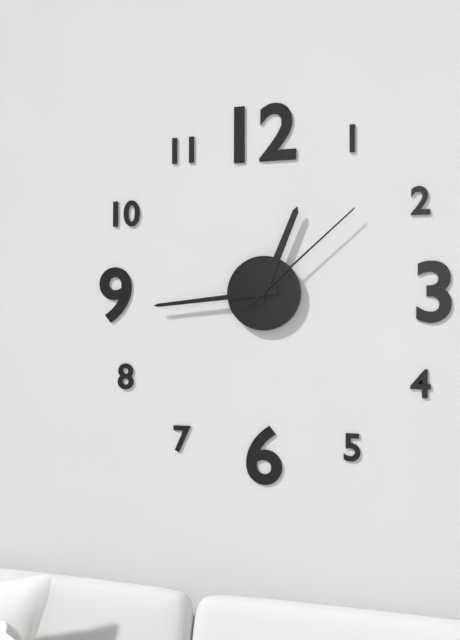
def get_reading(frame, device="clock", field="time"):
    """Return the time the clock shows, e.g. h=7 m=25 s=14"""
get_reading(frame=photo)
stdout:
h=12 m=44 s=8
